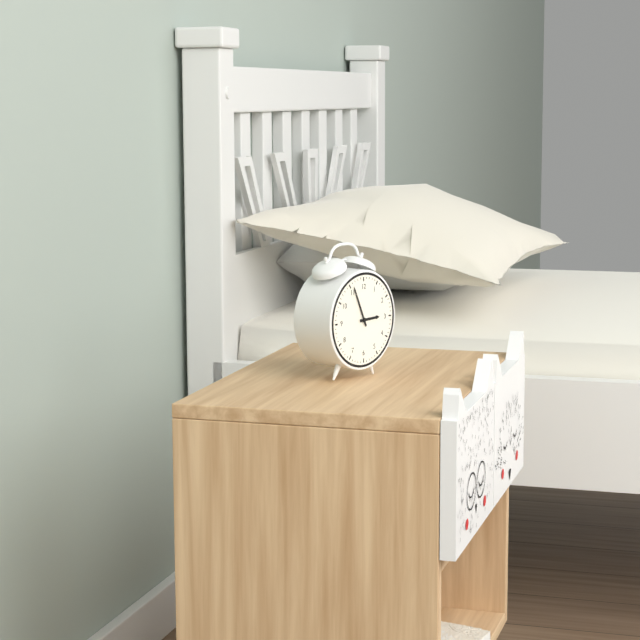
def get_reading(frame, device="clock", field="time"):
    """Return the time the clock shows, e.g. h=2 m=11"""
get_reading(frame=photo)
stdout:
h=2 m=56
